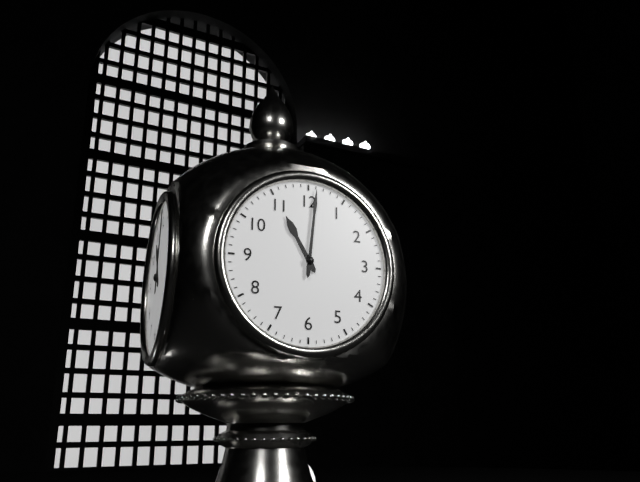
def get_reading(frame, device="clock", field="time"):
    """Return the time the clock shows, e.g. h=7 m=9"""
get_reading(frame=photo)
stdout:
h=11 m=1
